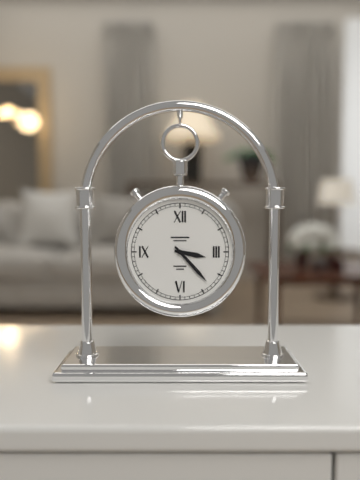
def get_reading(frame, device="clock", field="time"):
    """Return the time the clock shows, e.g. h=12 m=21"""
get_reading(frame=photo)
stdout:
h=3 m=23
